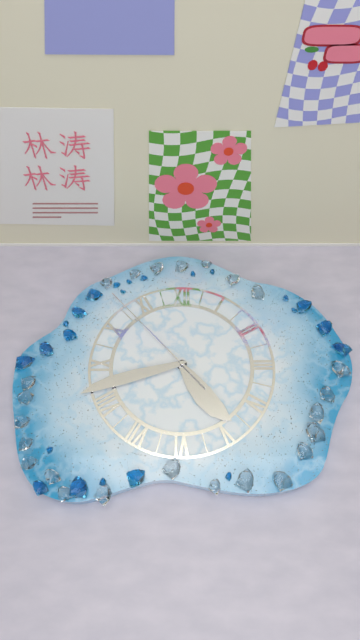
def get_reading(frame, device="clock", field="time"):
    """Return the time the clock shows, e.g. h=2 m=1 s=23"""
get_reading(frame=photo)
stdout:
h=4 m=42 s=53
